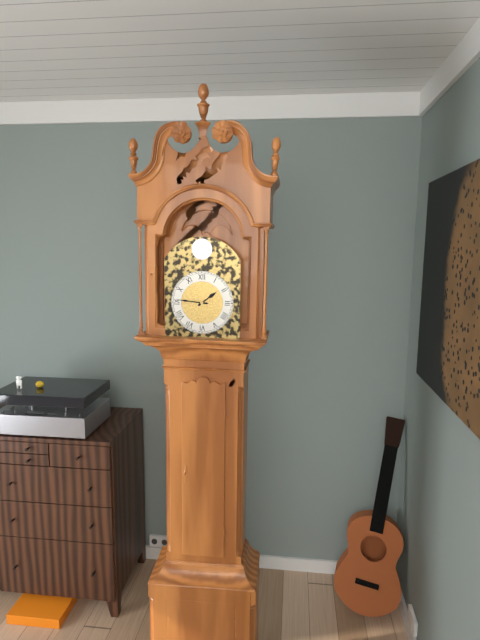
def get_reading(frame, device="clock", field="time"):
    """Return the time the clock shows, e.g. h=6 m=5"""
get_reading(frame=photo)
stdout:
h=1 m=46
